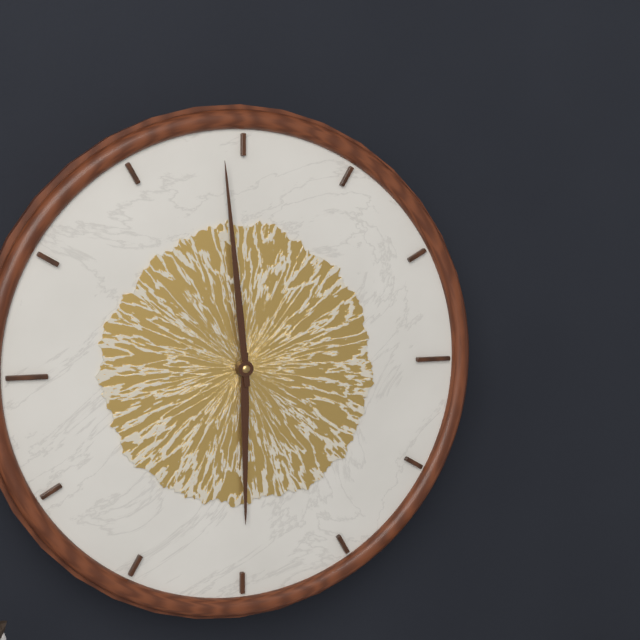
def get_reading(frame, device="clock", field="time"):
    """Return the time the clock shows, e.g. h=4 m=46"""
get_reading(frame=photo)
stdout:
h=5 m=59
